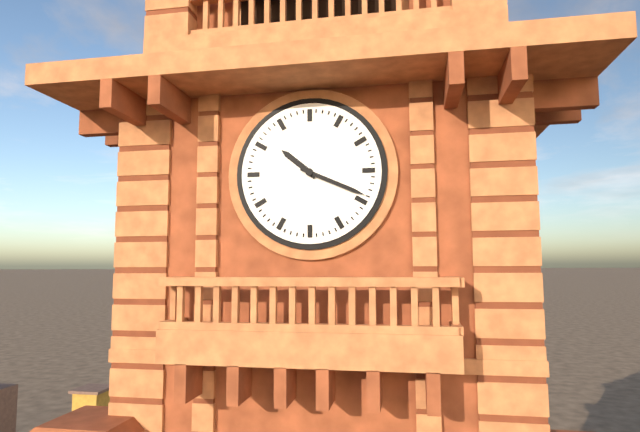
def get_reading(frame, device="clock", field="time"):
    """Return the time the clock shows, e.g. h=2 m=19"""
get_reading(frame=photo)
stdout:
h=10 m=19
